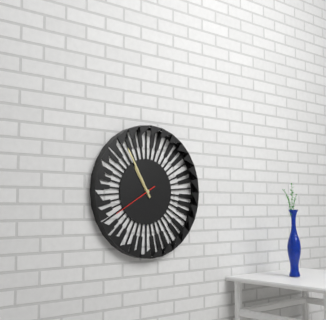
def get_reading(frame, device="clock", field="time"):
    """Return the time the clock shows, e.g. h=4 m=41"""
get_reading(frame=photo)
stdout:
h=10 m=55
